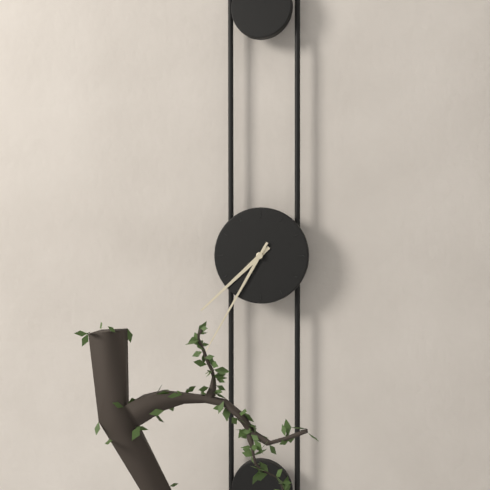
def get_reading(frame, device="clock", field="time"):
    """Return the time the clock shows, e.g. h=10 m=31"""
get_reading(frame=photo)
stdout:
h=7 m=35
